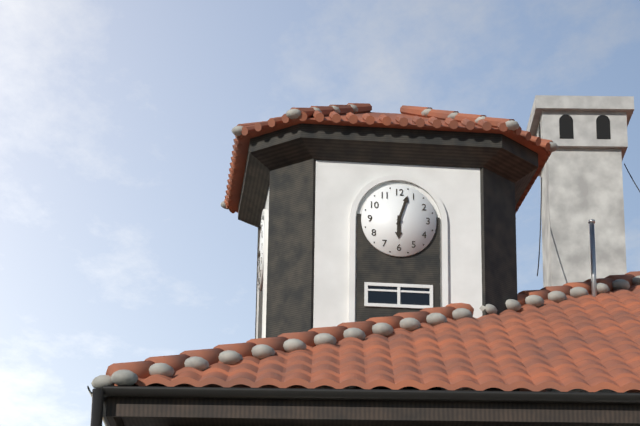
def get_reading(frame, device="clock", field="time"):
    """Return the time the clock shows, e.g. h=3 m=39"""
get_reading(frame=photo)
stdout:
h=6 m=3
